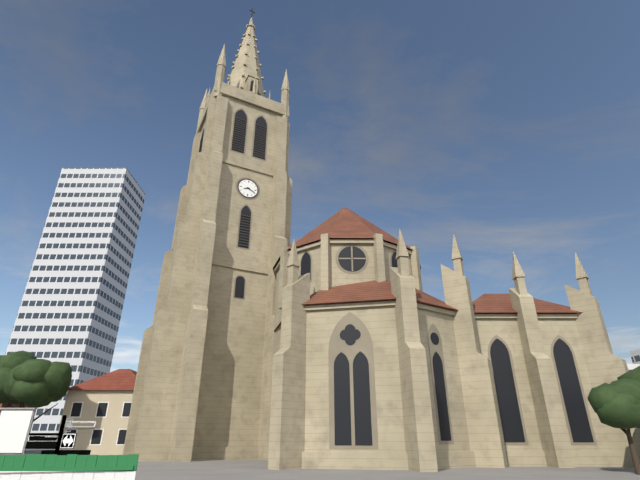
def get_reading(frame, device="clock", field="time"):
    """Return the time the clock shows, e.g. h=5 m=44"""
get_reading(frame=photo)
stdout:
h=8 m=19
